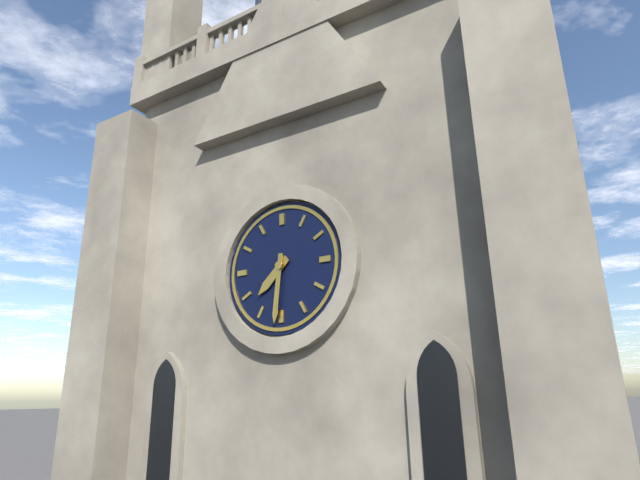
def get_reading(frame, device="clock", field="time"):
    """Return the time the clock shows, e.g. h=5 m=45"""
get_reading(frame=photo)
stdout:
h=7 m=31
